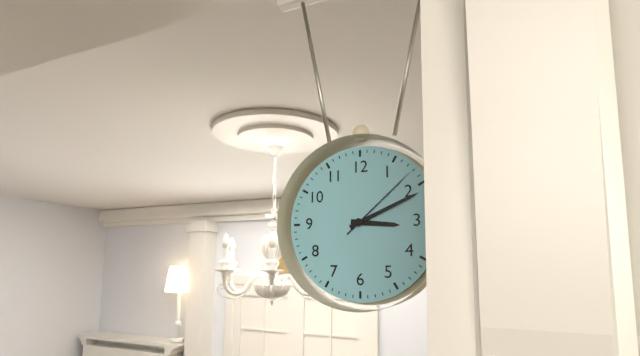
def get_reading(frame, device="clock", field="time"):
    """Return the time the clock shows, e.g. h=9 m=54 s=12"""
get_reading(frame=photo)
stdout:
h=3 m=11 s=8
